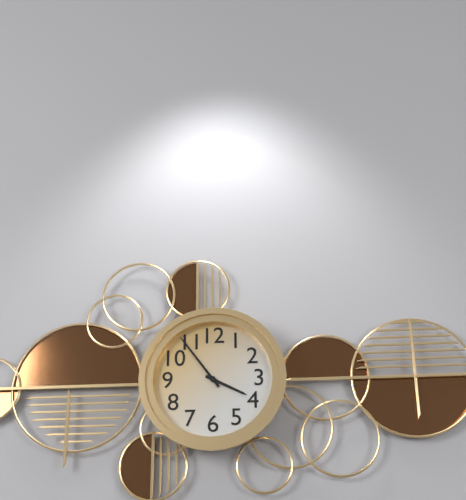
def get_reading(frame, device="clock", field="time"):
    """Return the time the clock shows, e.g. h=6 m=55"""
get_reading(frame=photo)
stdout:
h=3 m=54
